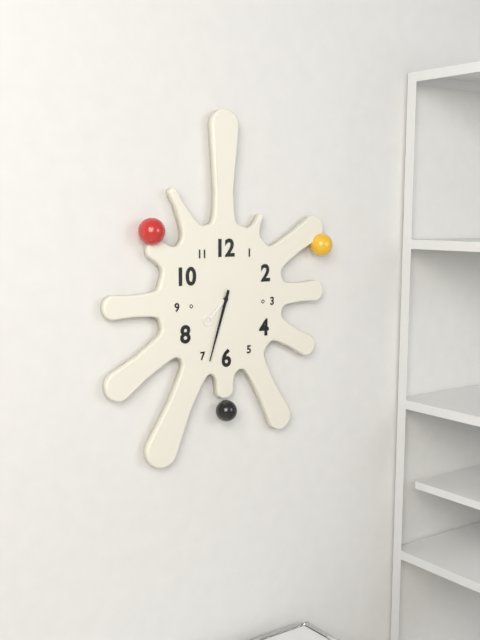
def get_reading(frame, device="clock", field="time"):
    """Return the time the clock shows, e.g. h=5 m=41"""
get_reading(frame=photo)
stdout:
h=7 m=33
